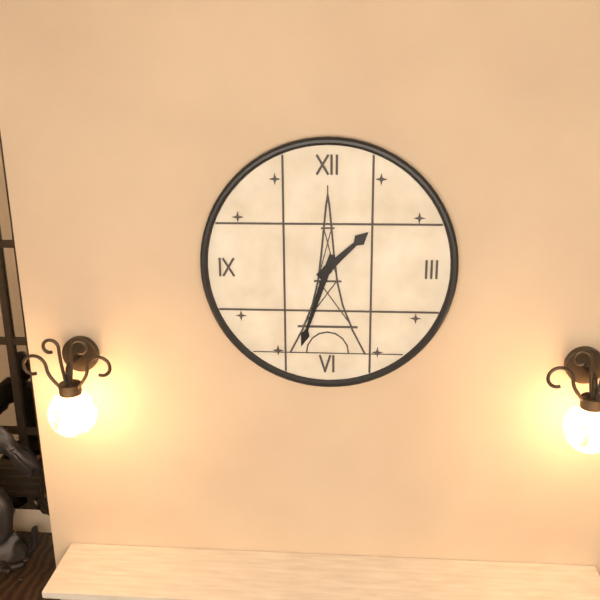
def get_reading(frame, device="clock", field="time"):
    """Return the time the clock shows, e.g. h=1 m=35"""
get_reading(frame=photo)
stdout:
h=1 m=33
